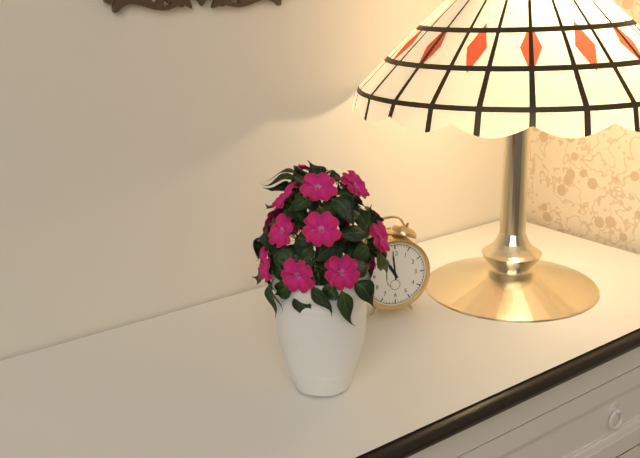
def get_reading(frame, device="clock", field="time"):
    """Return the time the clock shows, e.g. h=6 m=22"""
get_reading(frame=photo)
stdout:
h=10 m=59
